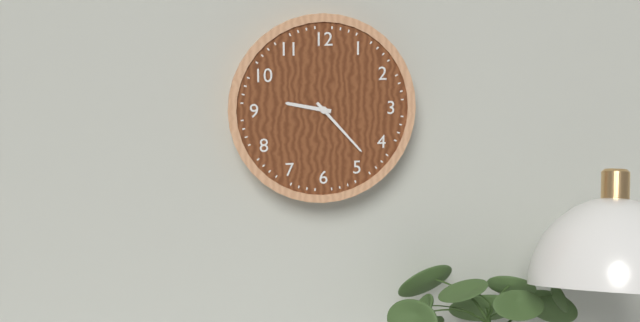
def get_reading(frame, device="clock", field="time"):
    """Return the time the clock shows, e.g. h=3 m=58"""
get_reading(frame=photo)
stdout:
h=9 m=23
